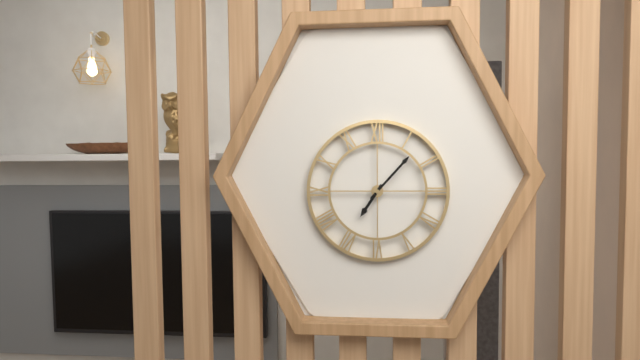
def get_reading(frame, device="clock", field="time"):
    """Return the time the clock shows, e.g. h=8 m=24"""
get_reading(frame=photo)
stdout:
h=7 m=7
